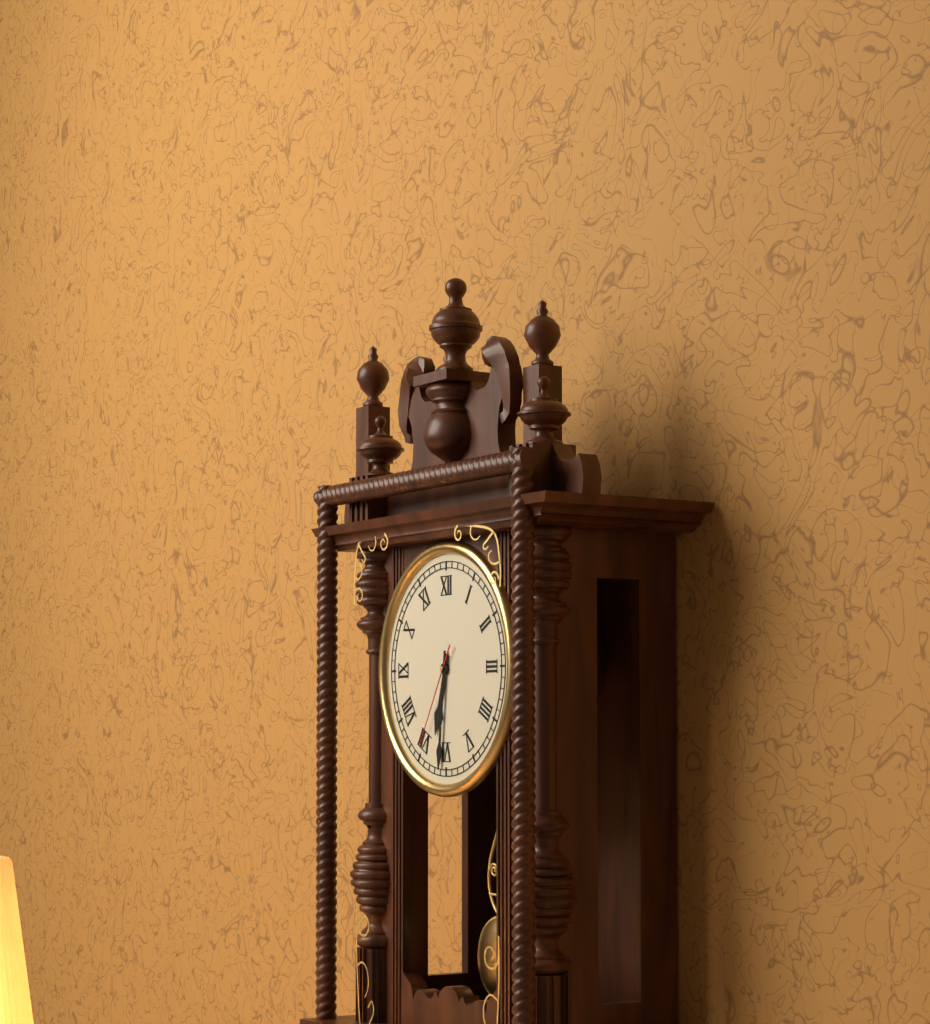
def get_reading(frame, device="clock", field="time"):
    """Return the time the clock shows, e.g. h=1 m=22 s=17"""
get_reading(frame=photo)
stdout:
h=6 m=31 s=35
